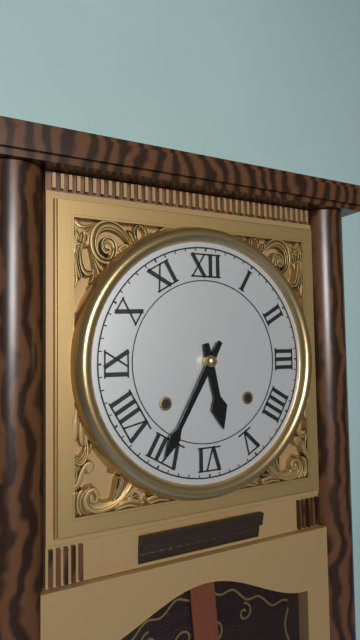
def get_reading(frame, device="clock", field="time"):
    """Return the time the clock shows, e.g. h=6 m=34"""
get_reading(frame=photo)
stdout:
h=5 m=35
